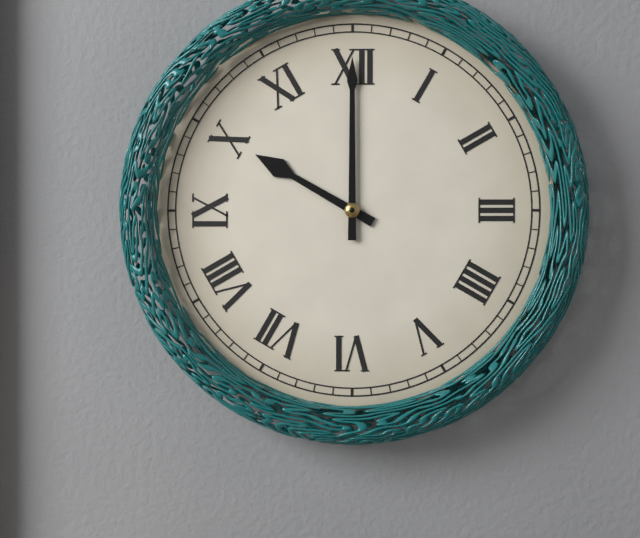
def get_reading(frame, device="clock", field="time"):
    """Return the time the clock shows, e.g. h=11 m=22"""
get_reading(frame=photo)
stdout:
h=10 m=0
